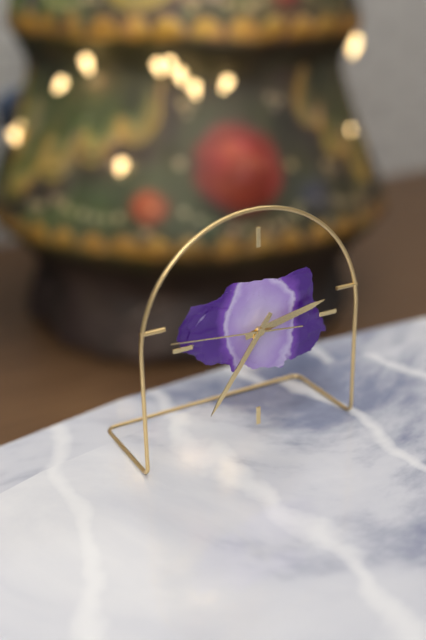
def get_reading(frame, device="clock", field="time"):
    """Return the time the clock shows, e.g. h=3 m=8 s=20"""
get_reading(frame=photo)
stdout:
h=2 m=36 s=46
